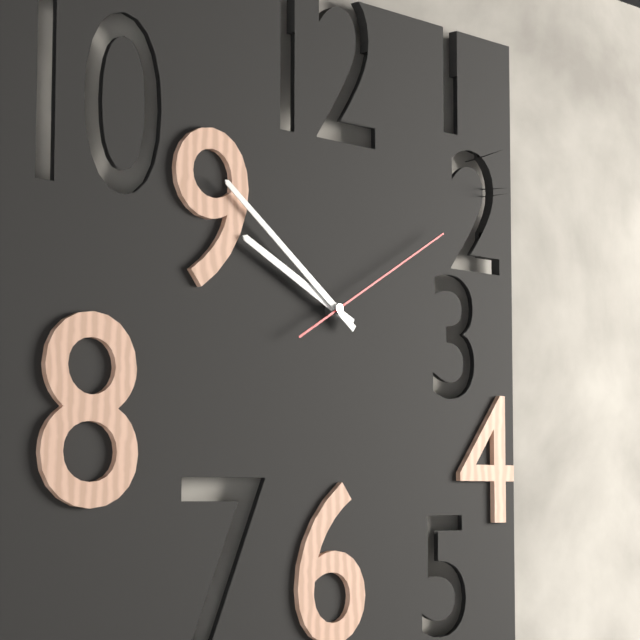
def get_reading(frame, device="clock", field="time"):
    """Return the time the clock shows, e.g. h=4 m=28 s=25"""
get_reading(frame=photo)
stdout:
h=9 m=51 s=10
